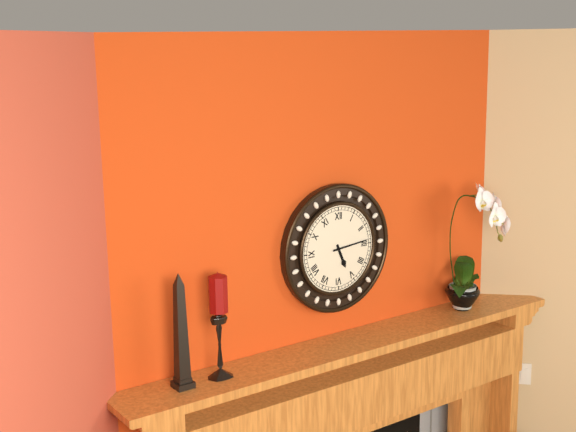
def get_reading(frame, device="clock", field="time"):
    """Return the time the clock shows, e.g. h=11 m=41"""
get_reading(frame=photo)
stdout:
h=5 m=14
